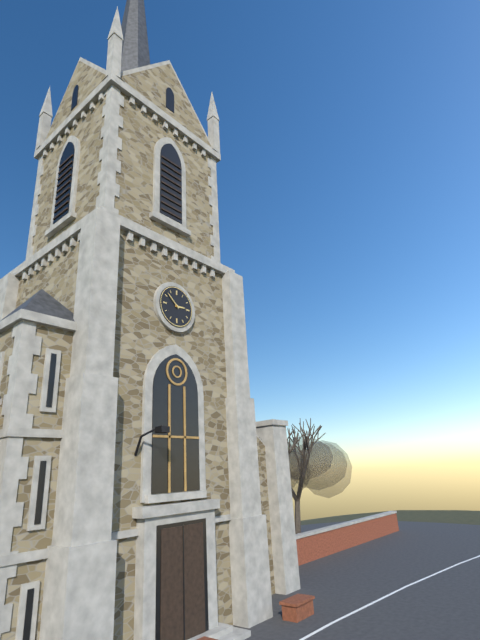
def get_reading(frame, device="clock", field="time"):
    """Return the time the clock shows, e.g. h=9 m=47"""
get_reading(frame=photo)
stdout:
h=2 m=52
